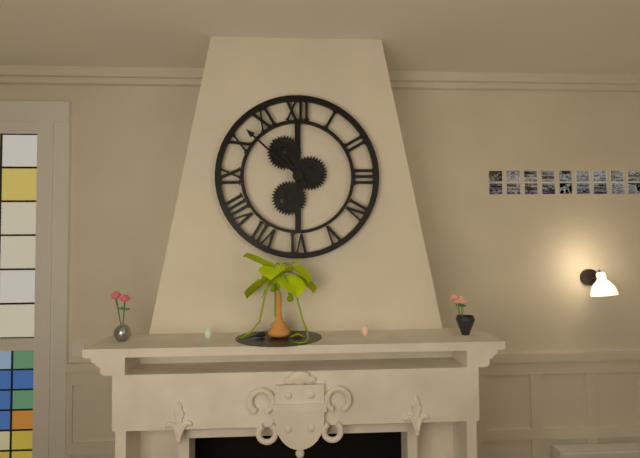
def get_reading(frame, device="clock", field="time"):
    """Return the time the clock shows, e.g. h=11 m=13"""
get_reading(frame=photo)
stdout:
h=10 m=52
